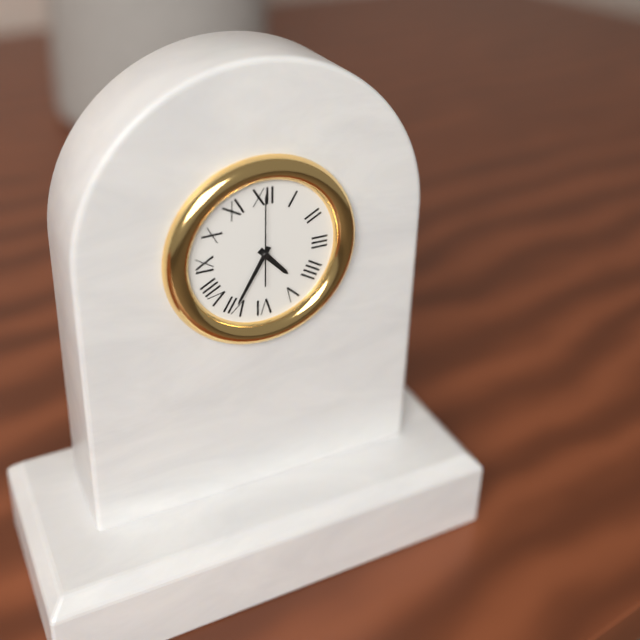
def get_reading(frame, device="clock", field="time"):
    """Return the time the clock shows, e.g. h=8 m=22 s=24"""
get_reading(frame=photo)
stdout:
h=4 m=35 s=0
